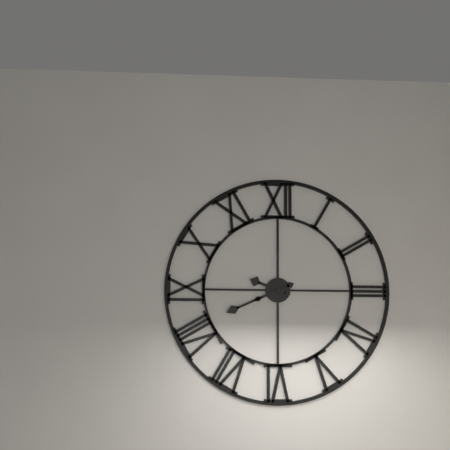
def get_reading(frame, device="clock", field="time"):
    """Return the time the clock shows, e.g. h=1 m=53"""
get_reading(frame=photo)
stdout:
h=9 m=41
